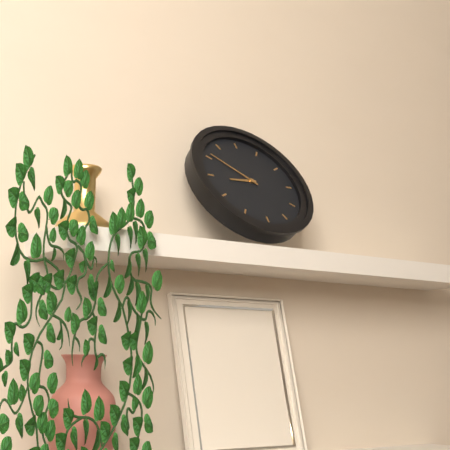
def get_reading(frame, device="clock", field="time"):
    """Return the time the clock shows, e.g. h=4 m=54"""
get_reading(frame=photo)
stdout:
h=8 m=51
